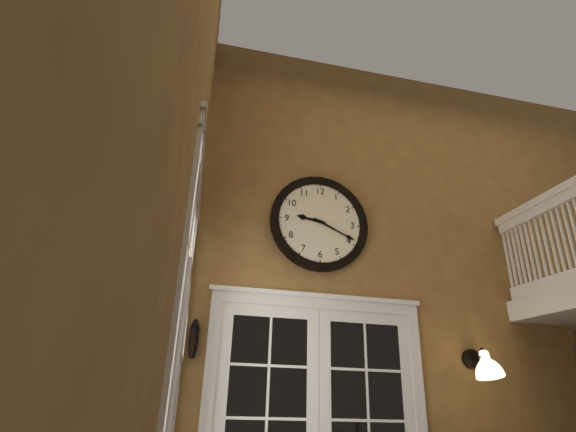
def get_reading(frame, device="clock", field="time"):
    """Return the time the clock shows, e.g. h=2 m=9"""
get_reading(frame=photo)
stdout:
h=9 m=19
